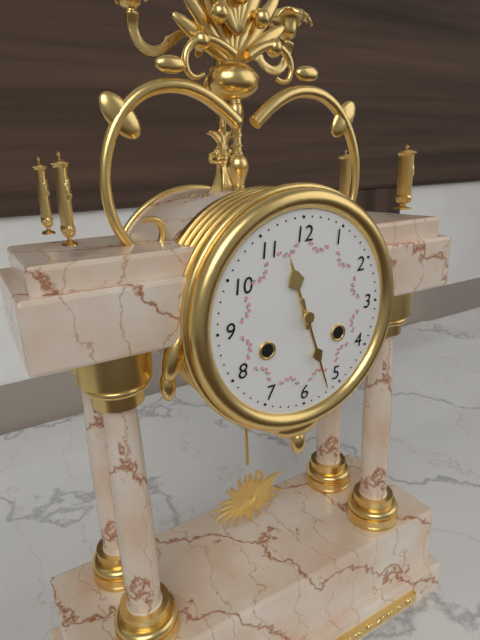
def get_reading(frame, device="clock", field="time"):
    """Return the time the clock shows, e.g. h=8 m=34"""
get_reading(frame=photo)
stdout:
h=11 m=27
